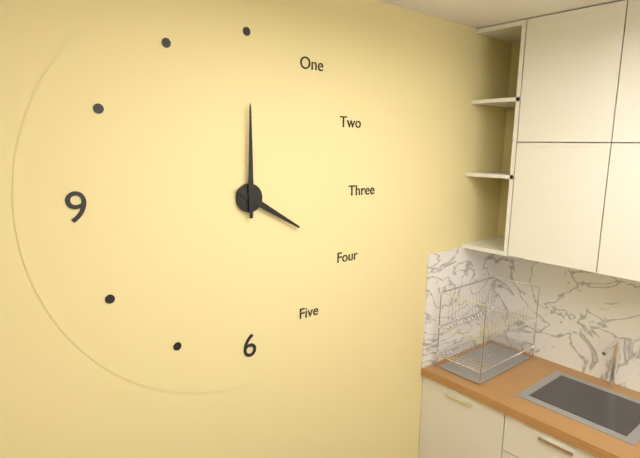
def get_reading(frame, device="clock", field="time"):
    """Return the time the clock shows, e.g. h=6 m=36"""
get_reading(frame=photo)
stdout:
h=4 m=0
